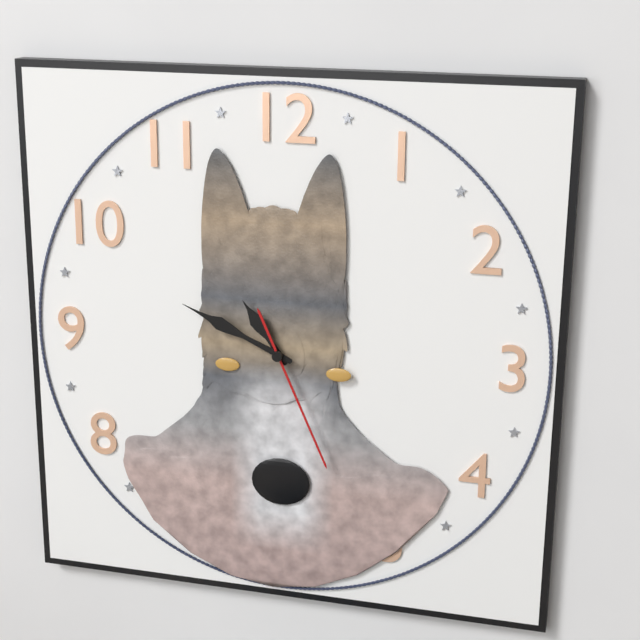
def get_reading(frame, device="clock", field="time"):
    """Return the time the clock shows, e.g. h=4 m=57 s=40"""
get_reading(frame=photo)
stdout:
h=10 m=49 s=26
